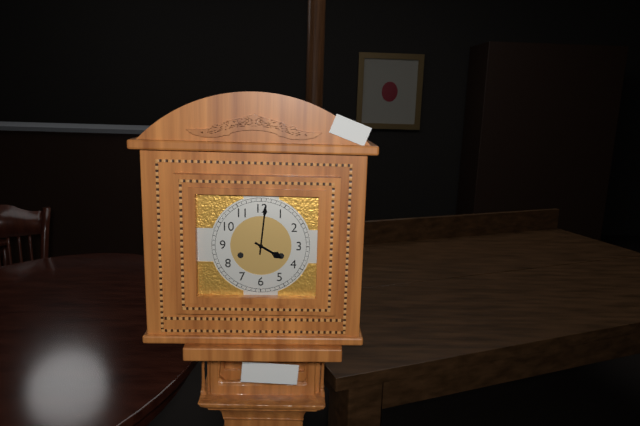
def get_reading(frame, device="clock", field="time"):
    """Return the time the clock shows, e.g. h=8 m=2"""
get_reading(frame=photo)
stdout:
h=4 m=1
